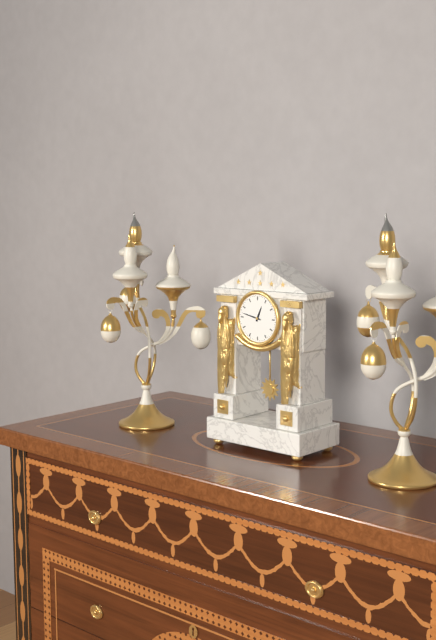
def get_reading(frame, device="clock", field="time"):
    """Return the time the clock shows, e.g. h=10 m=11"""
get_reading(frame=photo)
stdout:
h=12 m=47
